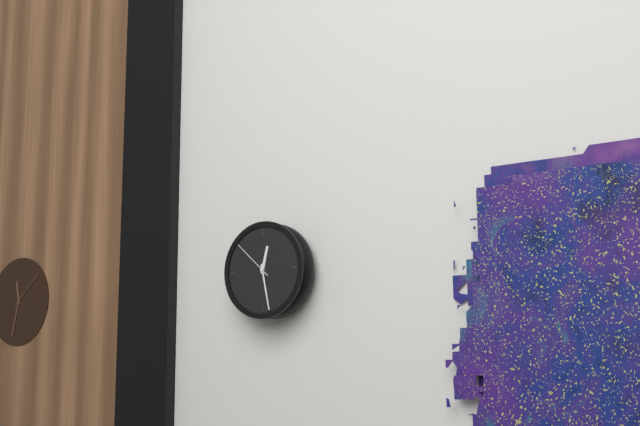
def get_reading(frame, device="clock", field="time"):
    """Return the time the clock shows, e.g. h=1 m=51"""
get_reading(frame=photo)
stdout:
h=12 m=28
